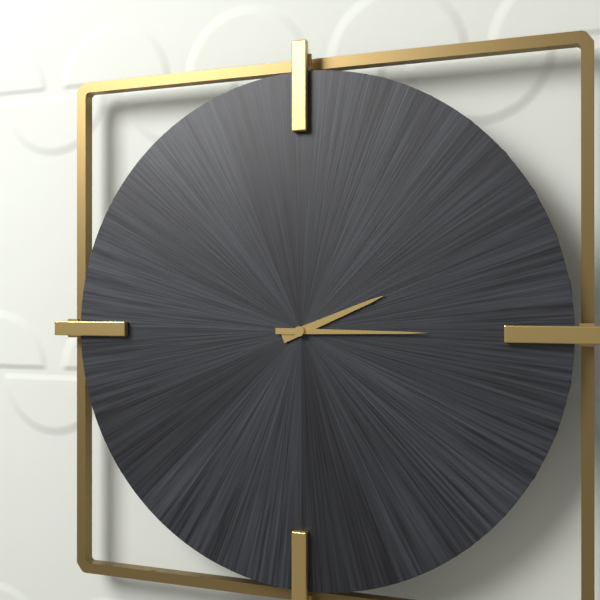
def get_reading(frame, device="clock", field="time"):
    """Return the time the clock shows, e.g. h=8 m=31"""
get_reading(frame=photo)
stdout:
h=2 m=15
